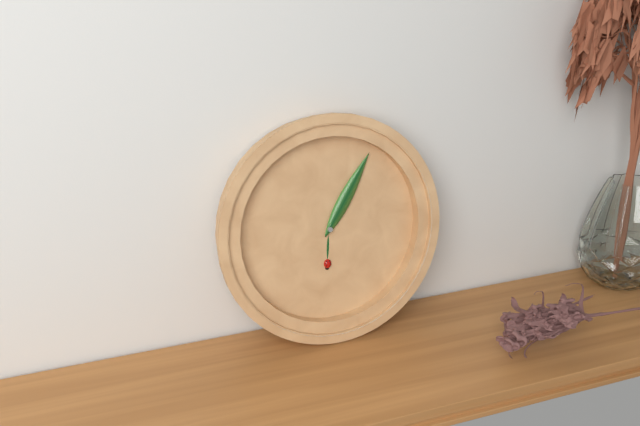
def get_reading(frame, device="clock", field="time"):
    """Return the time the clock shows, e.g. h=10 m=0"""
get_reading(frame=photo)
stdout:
h=6 m=5
